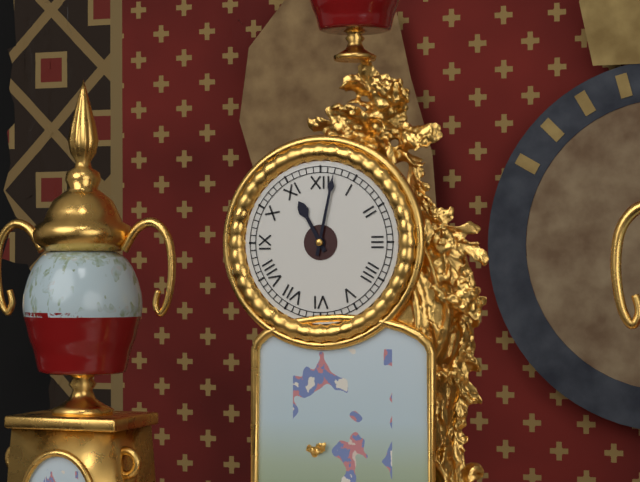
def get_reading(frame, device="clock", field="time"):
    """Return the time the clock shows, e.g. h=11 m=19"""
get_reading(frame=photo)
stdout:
h=11 m=2
